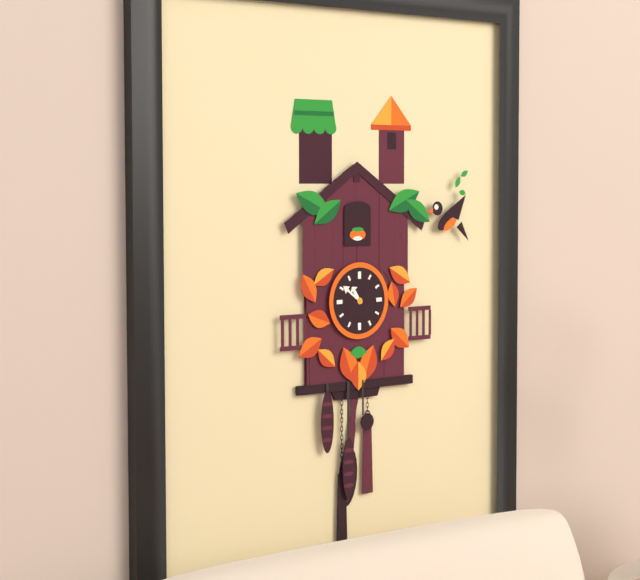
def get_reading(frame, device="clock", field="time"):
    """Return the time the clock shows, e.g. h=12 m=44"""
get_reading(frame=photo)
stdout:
h=10 m=51
